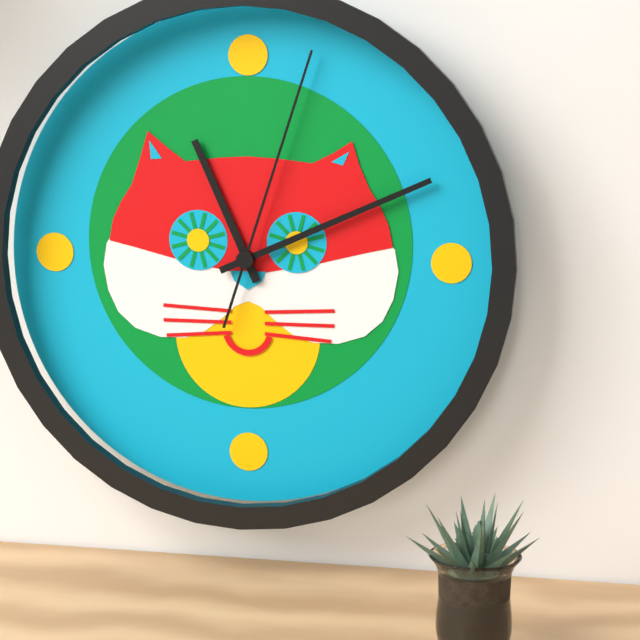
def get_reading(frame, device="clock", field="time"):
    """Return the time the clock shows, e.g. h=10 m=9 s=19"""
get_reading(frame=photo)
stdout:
h=11 m=11 s=3
